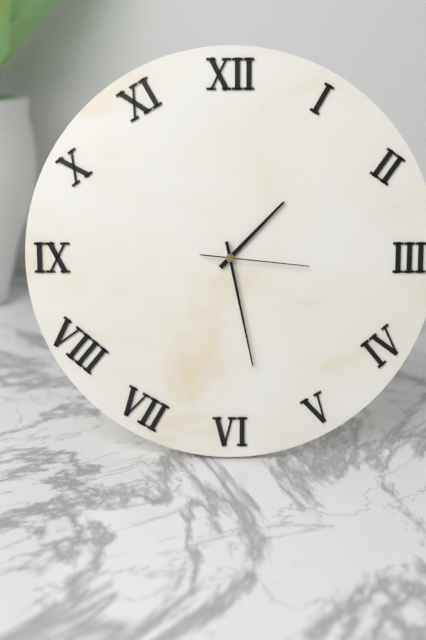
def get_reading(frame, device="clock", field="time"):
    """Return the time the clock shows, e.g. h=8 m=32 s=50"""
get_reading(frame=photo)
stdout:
h=1 m=28 s=16
